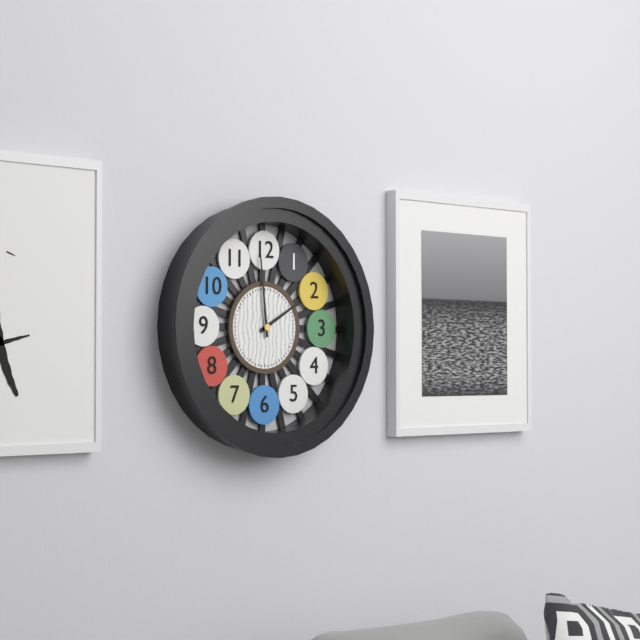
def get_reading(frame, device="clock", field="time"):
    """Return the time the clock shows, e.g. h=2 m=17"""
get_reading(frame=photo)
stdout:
h=1 m=59
